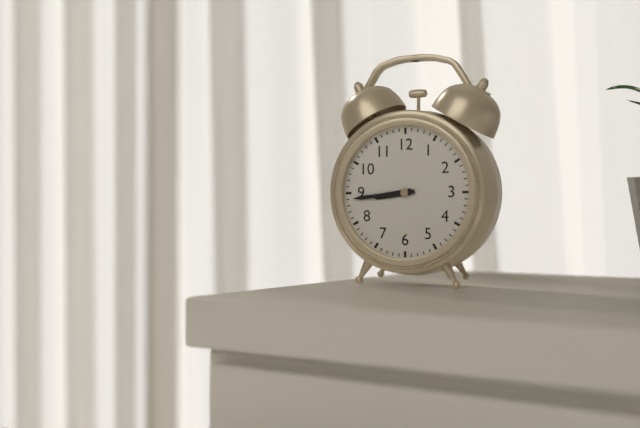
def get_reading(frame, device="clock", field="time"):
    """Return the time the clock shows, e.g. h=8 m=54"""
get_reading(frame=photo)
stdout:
h=8 m=44
